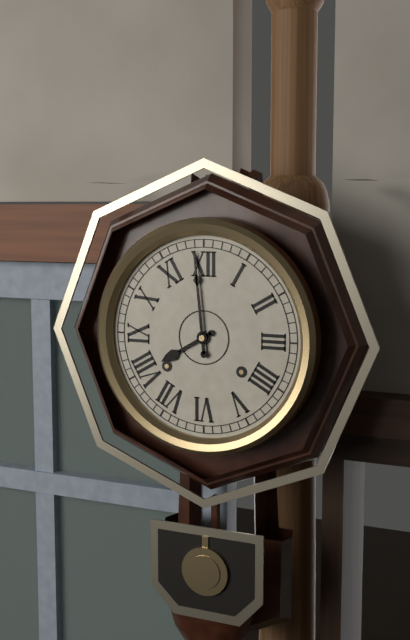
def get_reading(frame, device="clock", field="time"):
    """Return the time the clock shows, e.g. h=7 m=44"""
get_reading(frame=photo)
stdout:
h=7 m=59
